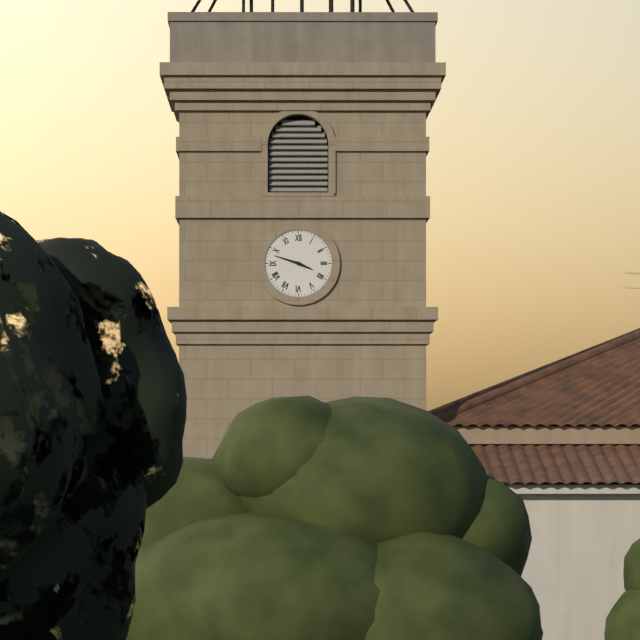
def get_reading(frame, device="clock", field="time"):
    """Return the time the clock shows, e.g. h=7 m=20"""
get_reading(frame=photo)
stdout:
h=3 m=48
